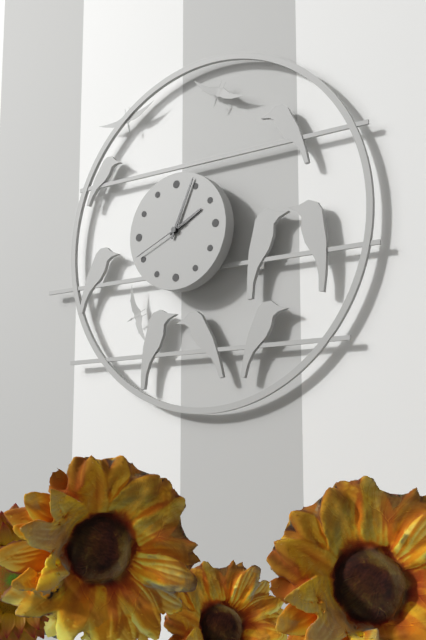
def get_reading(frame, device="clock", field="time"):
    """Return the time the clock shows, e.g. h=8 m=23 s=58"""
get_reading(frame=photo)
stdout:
h=2 m=4 s=41
